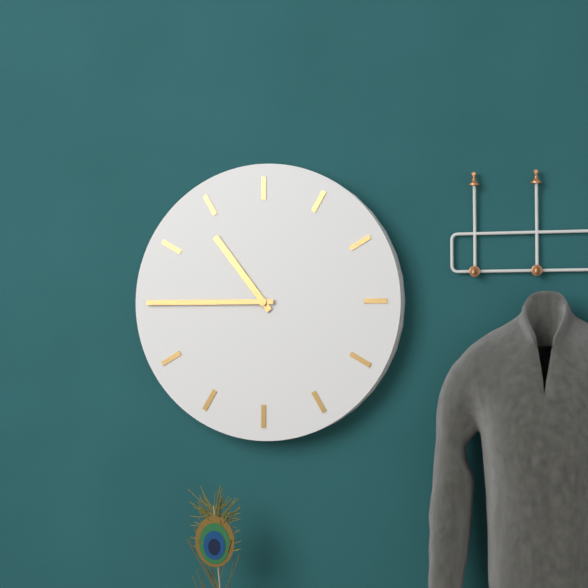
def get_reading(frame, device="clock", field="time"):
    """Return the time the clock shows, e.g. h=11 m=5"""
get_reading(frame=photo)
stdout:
h=10 m=45
